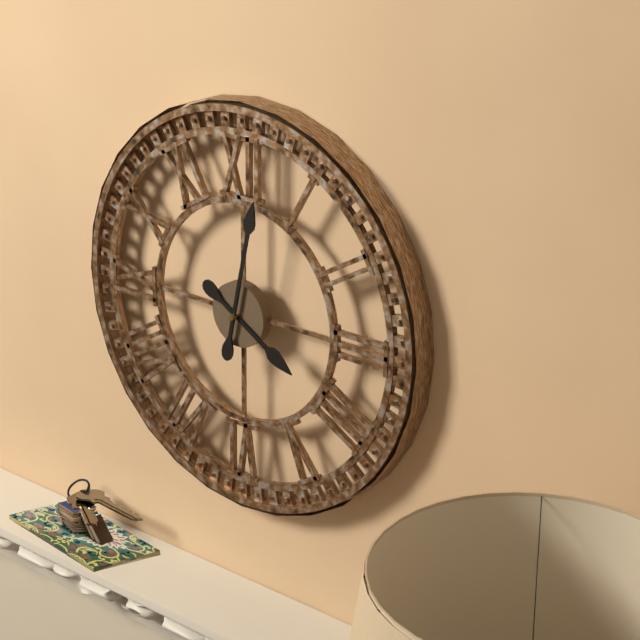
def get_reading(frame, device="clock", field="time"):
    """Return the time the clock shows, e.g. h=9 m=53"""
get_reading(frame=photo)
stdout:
h=4 m=2
